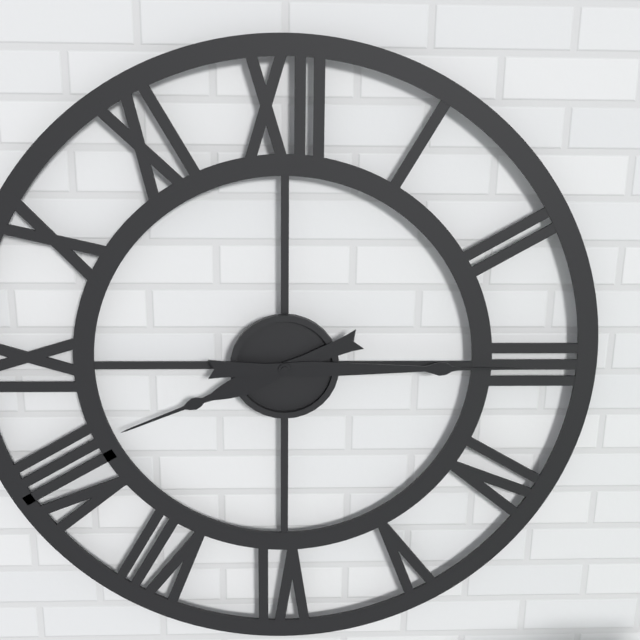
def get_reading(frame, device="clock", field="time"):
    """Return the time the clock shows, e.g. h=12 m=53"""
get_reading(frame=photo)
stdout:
h=8 m=15
